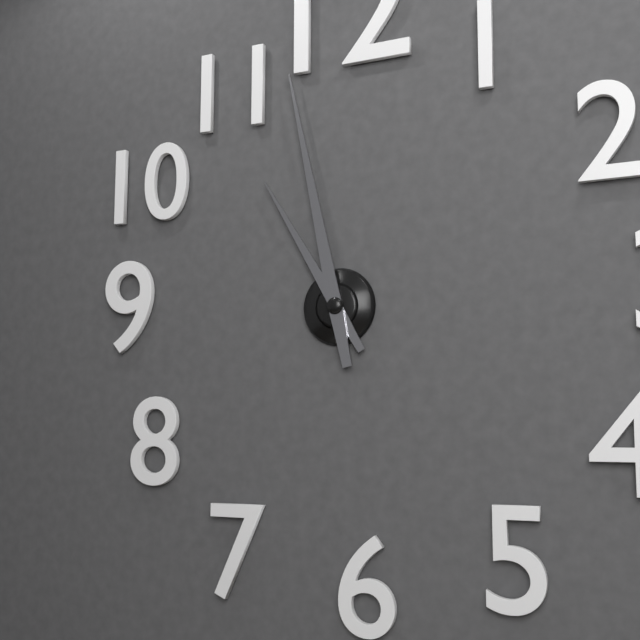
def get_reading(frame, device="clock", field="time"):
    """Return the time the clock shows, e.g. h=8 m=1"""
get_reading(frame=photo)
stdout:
h=10 m=58
